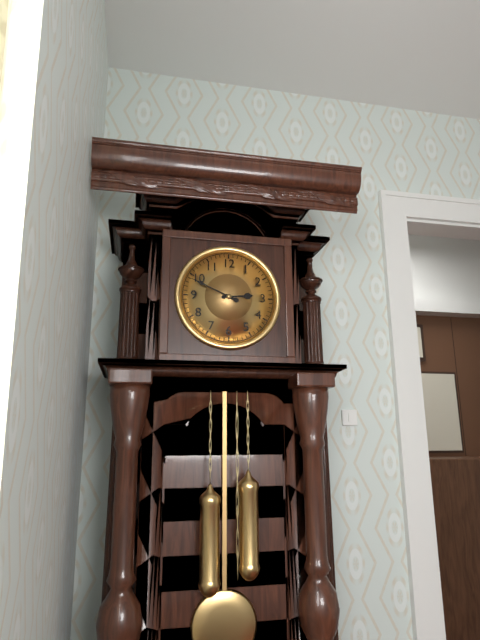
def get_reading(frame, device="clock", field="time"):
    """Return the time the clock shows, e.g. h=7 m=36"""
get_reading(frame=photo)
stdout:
h=2 m=49
